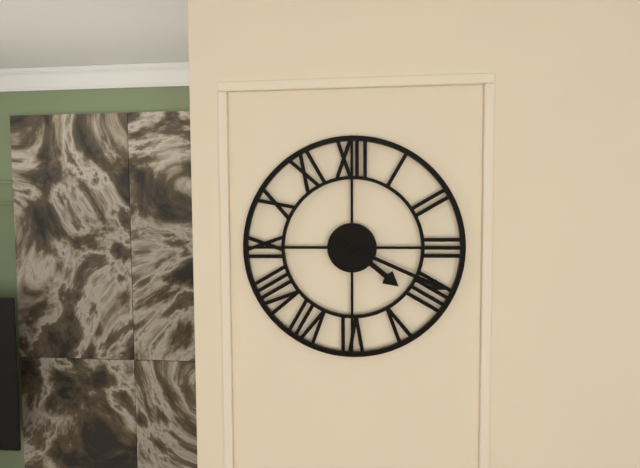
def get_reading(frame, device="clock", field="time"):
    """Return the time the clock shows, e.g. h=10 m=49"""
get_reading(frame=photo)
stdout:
h=4 m=19
